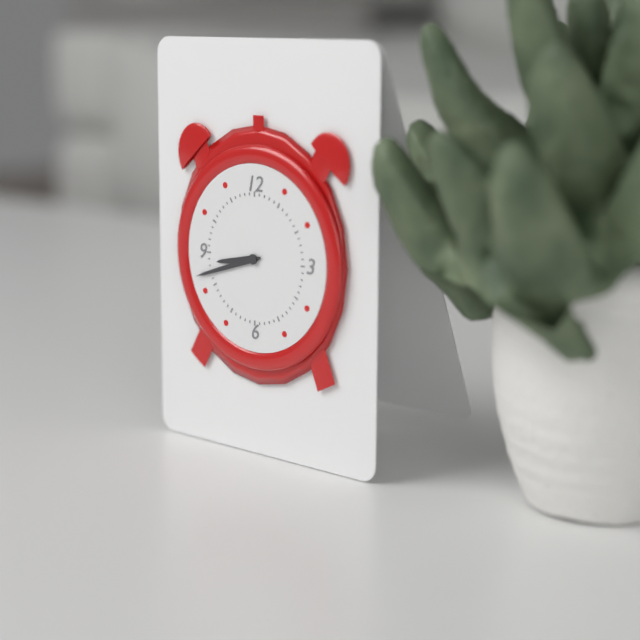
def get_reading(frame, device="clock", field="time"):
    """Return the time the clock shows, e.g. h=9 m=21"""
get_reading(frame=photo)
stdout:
h=8 m=42
